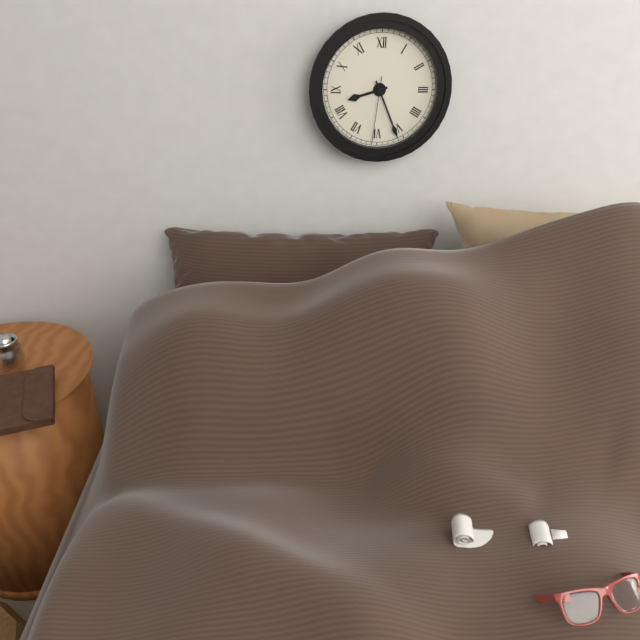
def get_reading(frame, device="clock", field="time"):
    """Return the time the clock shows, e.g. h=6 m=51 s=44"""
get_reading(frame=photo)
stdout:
h=8 m=26 s=31
